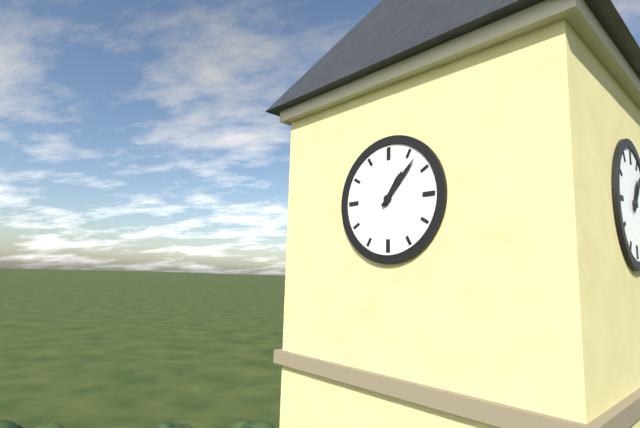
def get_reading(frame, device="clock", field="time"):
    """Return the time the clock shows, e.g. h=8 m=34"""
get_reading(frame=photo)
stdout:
h=1 m=7
